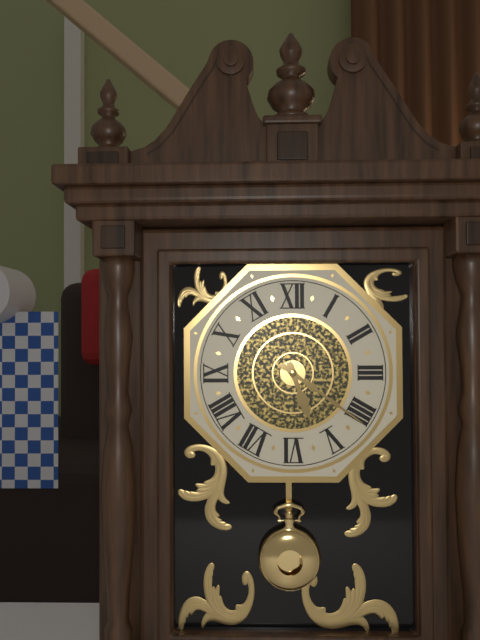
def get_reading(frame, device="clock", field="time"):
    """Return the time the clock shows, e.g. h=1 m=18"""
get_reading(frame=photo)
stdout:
h=5 m=21
